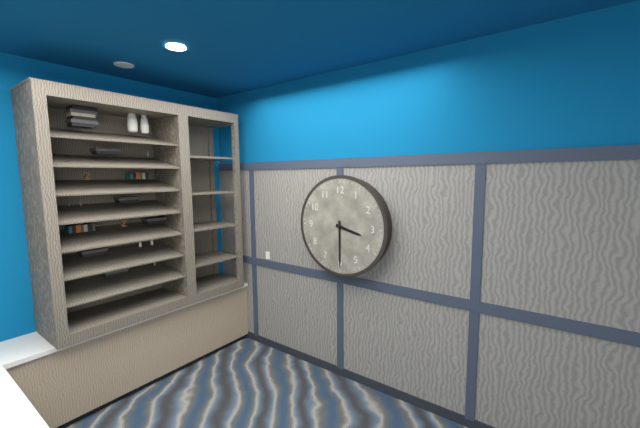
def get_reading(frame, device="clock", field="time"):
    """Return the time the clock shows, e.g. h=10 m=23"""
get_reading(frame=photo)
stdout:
h=3 m=30
